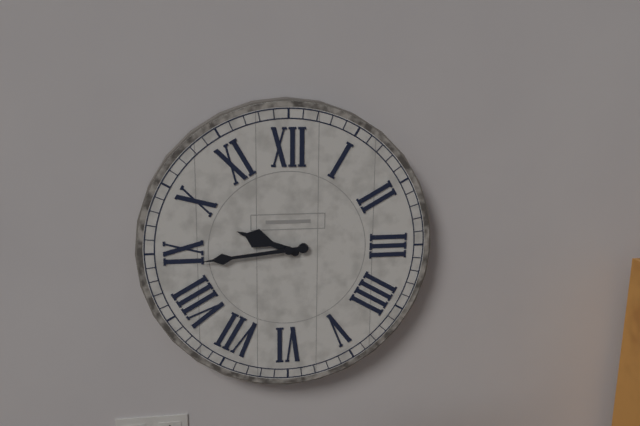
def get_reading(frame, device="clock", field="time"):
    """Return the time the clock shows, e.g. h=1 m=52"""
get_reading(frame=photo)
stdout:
h=9 m=44
